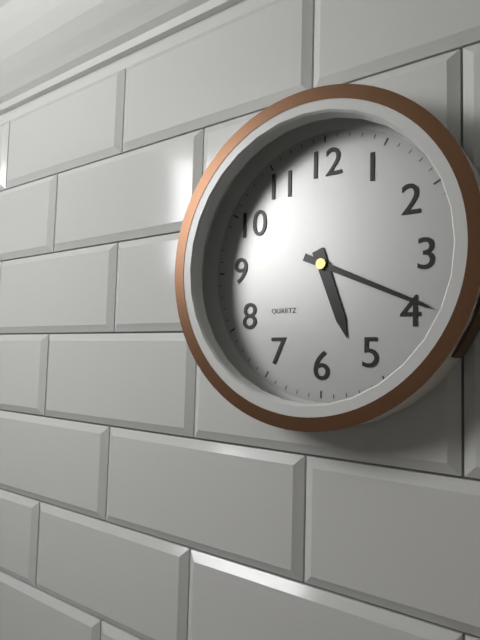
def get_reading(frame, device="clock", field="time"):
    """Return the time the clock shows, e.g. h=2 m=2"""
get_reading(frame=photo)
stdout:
h=5 m=19
